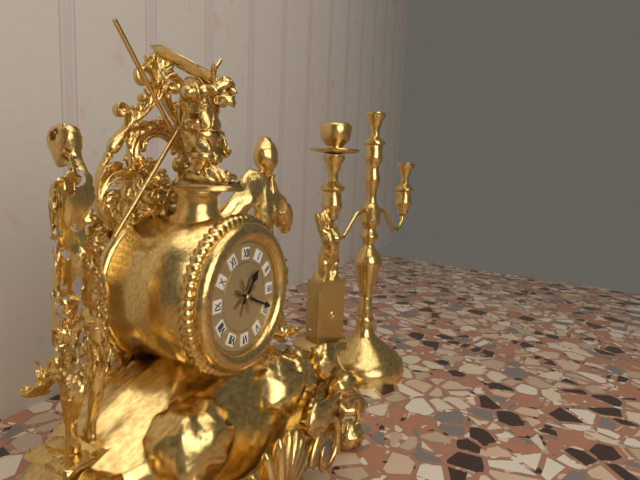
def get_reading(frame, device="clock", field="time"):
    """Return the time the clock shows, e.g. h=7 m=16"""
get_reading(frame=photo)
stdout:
h=1 m=19
